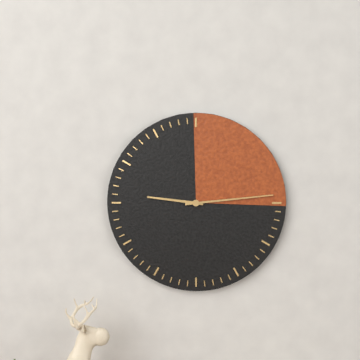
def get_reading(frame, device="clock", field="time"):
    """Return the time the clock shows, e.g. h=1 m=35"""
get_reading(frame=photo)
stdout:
h=9 m=14
